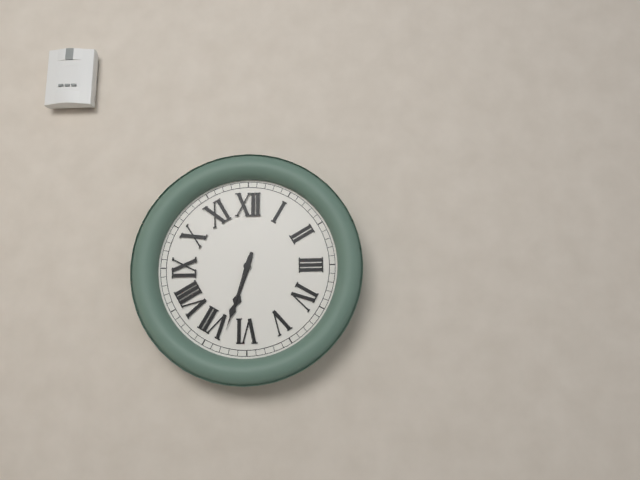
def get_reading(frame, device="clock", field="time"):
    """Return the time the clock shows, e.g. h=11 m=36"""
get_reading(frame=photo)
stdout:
h=6 m=33
